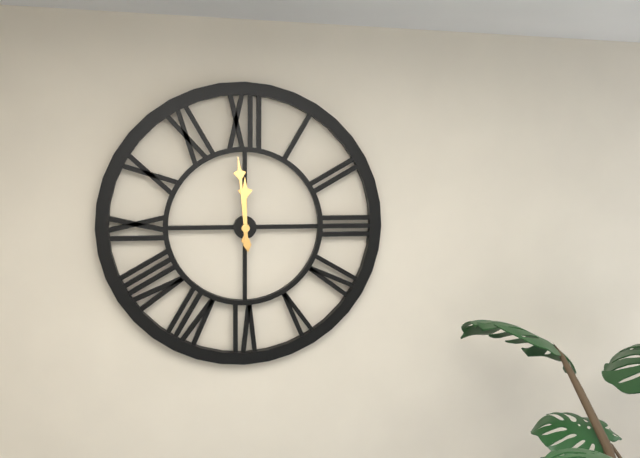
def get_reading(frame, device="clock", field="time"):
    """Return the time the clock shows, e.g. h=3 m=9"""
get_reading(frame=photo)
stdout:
h=11 m=59
